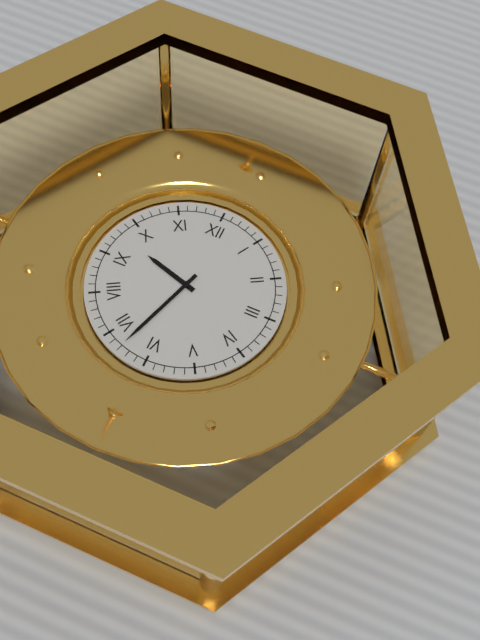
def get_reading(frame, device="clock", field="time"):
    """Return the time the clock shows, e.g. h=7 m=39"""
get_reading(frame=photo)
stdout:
h=9 m=33
